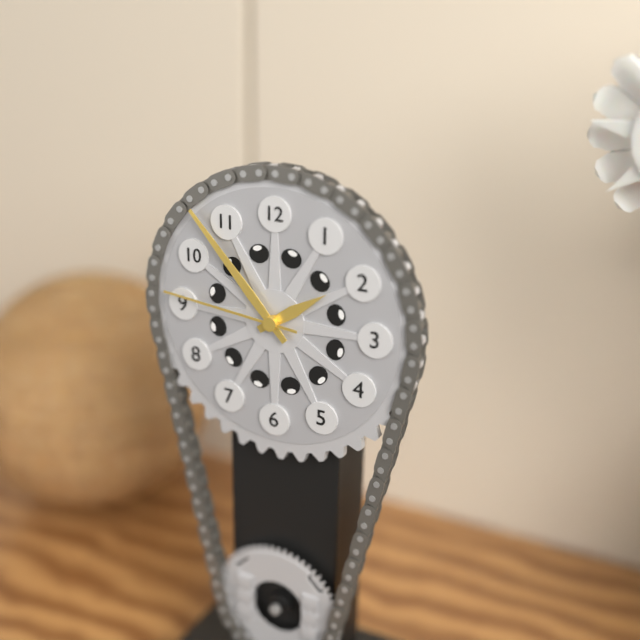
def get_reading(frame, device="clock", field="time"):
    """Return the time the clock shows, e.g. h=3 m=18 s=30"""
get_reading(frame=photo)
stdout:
h=1 m=53 s=46
